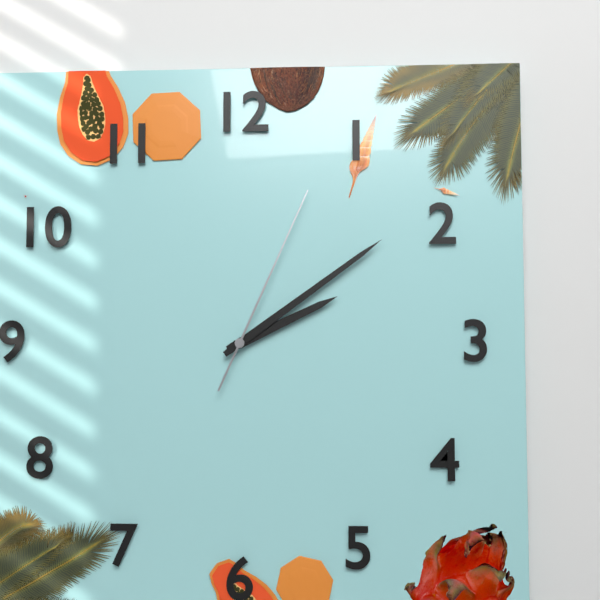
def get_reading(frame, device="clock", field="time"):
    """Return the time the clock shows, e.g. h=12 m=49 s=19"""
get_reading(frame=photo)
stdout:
h=2 m=9 s=4
